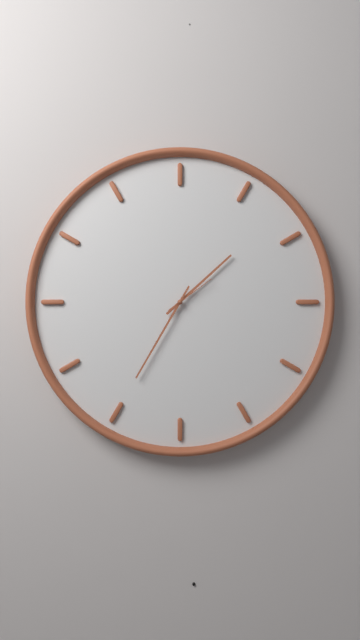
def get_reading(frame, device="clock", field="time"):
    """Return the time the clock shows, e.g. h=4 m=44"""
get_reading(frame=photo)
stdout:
h=1 m=35
